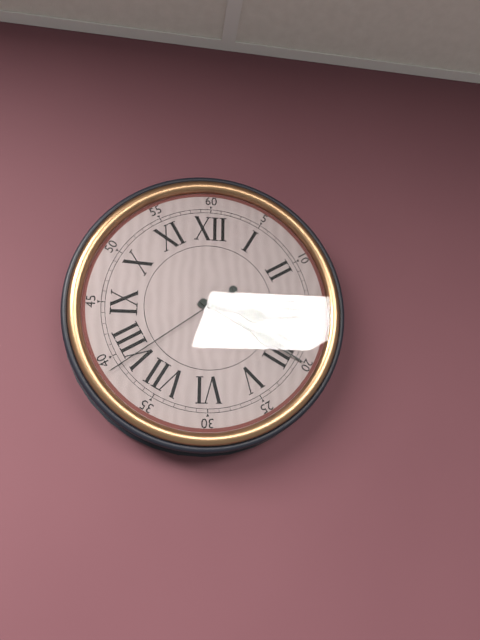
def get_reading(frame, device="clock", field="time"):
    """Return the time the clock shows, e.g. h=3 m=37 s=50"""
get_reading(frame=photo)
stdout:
h=3 m=20 s=39
